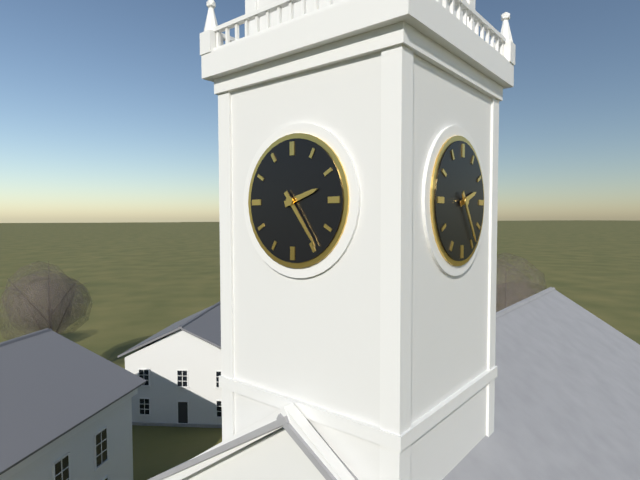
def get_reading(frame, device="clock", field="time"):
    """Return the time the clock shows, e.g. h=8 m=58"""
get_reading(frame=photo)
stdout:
h=2 m=24
